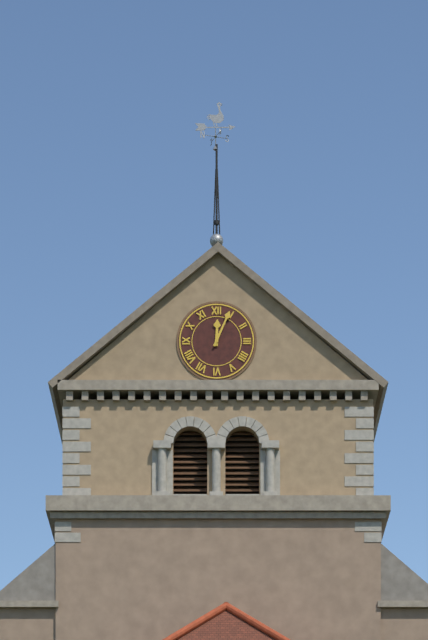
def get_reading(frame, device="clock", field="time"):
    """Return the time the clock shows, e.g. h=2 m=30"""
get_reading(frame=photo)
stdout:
h=12 m=4
